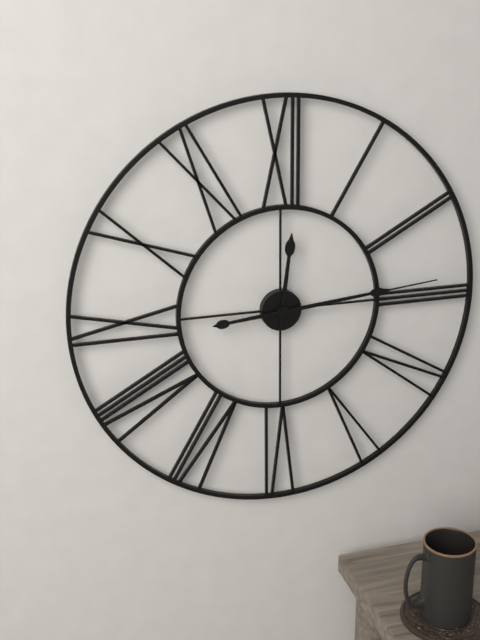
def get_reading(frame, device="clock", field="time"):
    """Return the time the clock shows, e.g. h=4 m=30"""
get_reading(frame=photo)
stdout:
h=12 m=14
